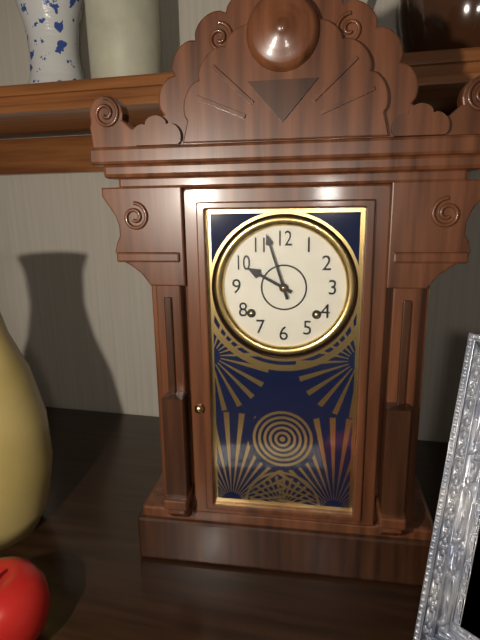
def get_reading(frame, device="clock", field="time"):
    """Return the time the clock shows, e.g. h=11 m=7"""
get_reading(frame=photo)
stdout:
h=9 m=57
